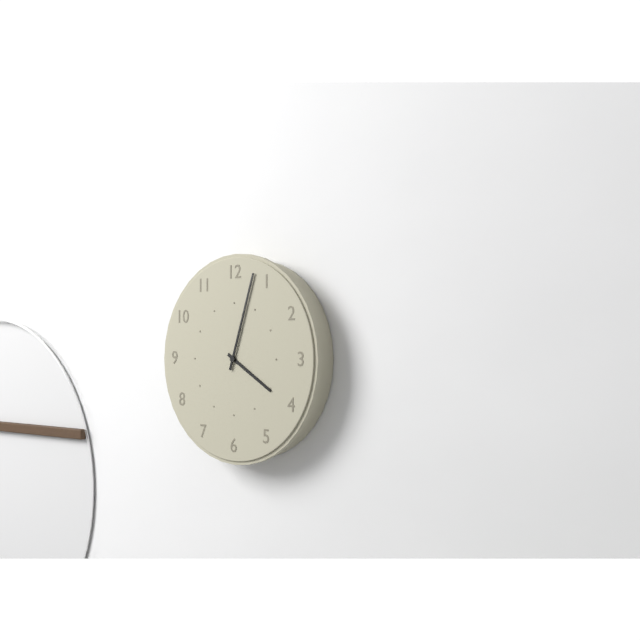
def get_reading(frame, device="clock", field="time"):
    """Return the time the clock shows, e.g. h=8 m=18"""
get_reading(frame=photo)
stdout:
h=4 m=3
